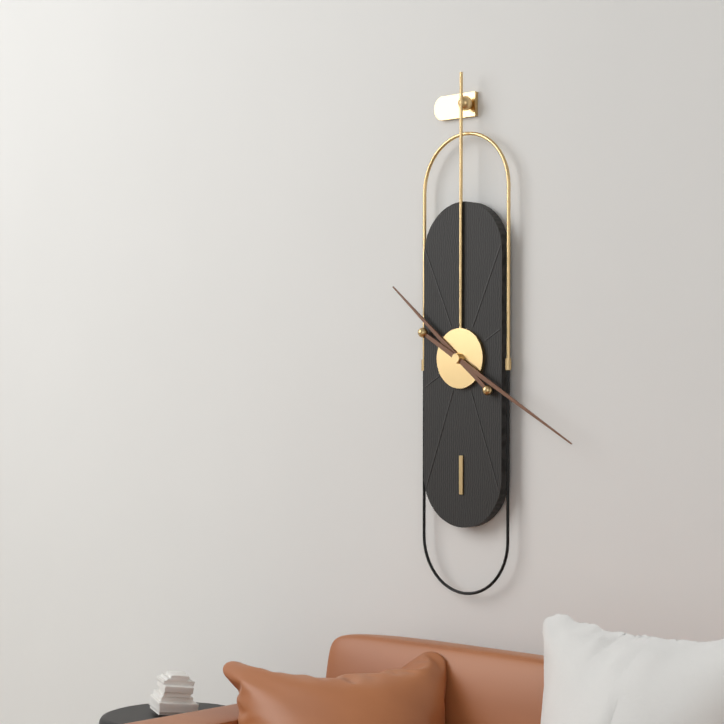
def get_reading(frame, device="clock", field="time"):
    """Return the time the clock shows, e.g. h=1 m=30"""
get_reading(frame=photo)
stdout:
h=10 m=20
